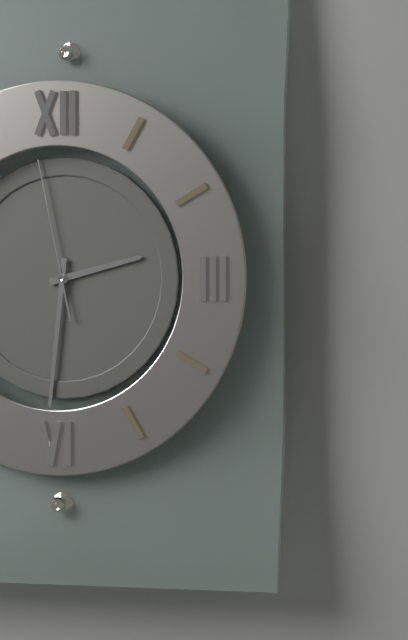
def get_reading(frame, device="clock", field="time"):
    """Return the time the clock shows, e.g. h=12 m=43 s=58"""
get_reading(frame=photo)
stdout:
h=2 m=31 s=58
